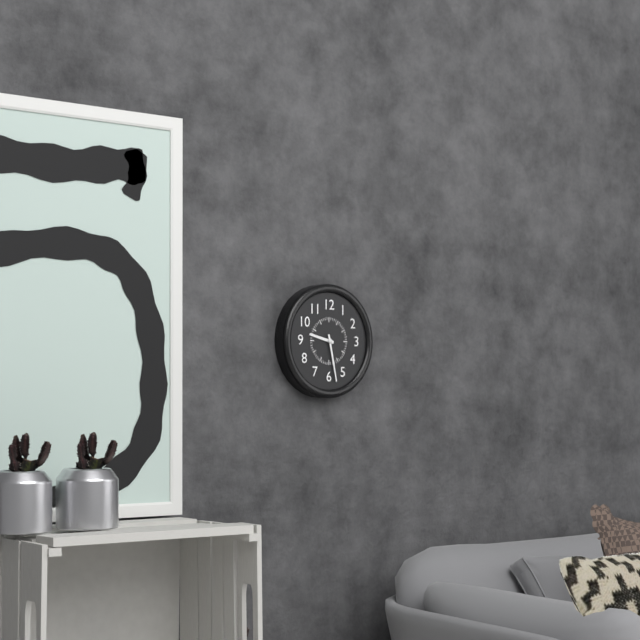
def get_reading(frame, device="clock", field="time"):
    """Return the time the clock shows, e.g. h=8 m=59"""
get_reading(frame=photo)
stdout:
h=9 m=28
